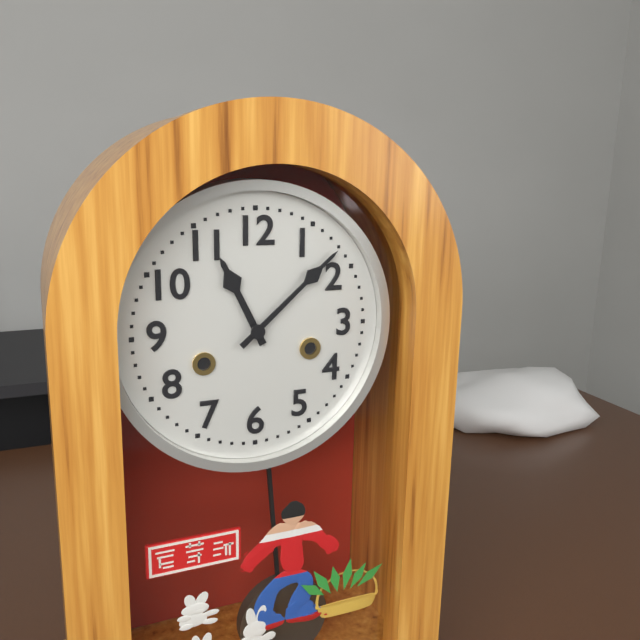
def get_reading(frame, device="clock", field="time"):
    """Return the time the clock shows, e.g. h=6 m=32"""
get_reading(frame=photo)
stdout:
h=11 m=8
